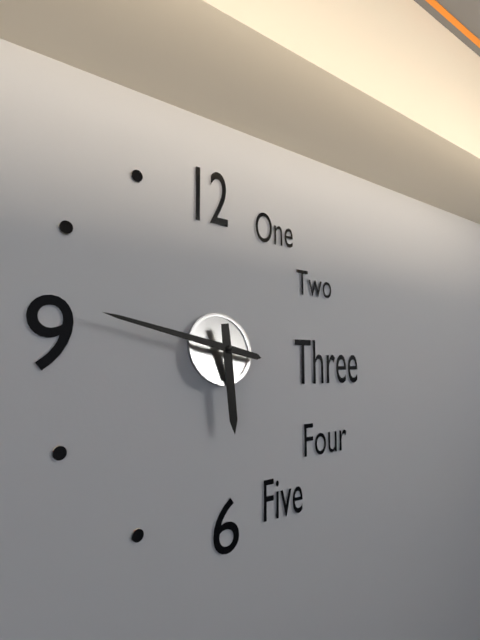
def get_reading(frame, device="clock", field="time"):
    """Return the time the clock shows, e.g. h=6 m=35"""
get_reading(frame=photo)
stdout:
h=5 m=47
